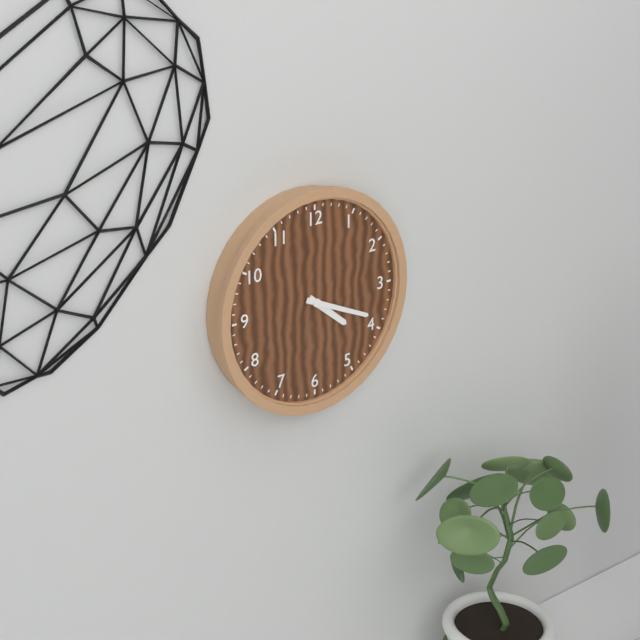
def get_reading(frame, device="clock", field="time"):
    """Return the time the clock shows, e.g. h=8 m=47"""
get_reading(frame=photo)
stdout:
h=4 m=19
